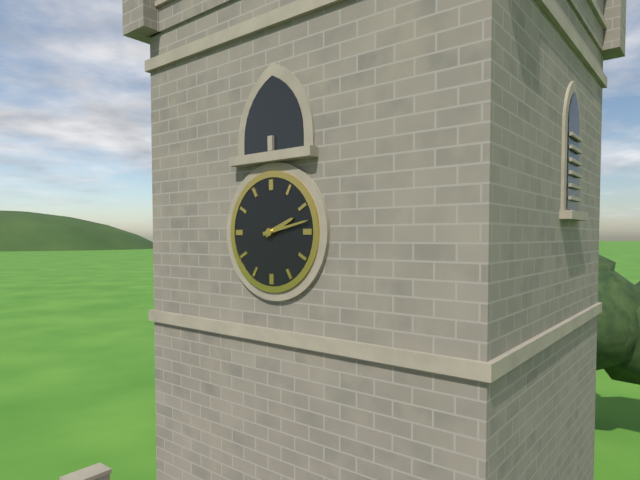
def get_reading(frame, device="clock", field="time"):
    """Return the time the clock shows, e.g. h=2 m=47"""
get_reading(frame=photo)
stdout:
h=2 m=13
